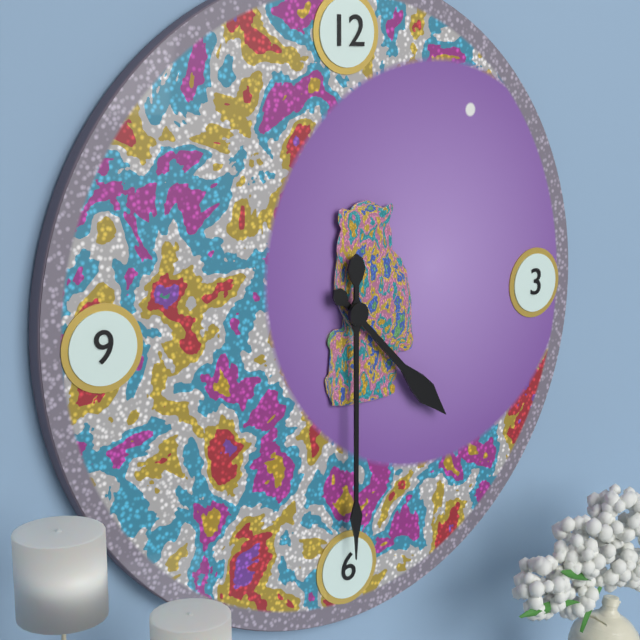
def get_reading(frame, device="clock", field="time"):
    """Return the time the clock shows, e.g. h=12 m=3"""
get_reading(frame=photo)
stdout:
h=4 m=30
